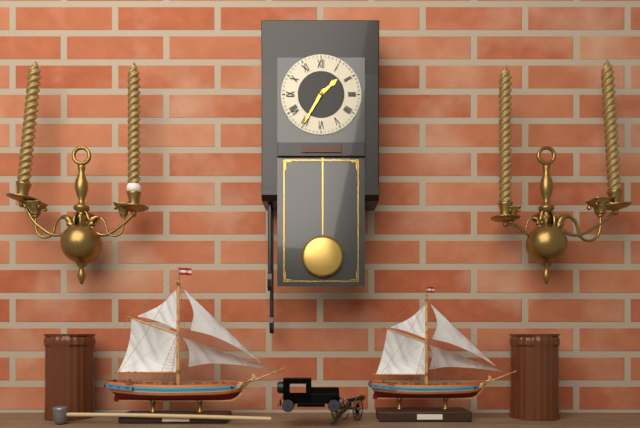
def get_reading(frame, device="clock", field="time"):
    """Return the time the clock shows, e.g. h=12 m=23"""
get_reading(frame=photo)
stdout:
h=1 m=35
